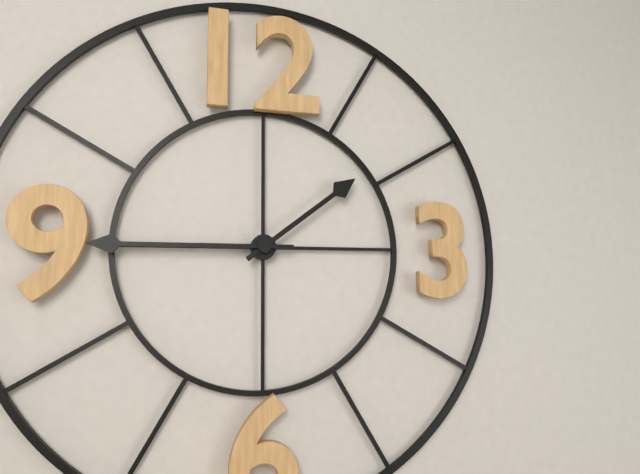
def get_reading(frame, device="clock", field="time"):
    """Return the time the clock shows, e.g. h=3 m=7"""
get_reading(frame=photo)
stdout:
h=1 m=45
